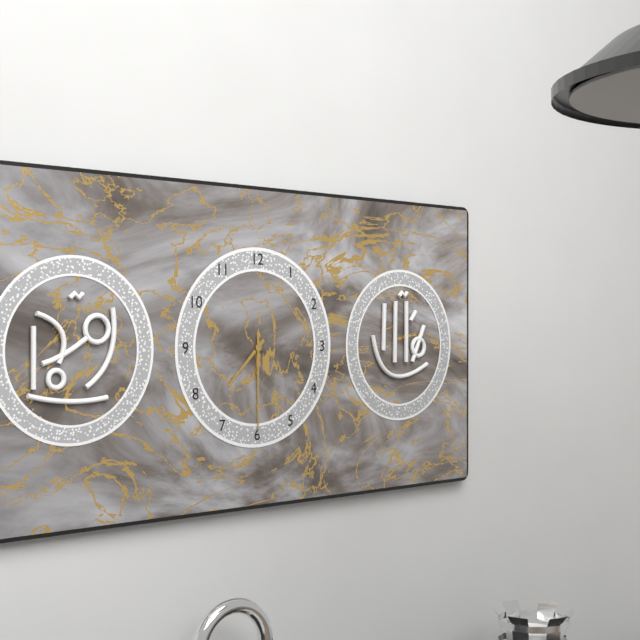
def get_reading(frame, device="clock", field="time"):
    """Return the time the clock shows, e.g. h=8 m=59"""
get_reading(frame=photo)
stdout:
h=7 m=30
